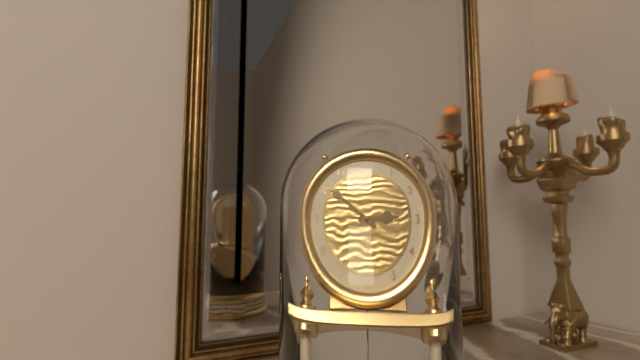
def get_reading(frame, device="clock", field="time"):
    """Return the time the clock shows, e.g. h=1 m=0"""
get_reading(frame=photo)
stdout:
h=2 m=51
